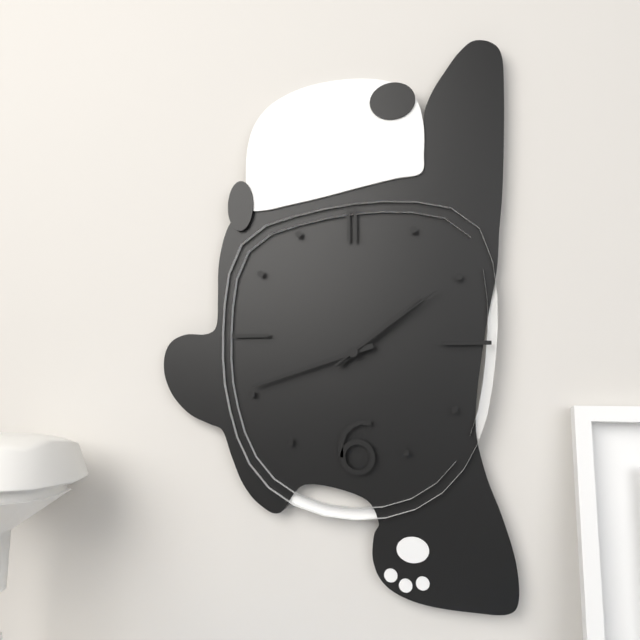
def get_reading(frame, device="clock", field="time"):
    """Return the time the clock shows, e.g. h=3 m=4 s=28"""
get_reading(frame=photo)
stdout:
h=1 m=42 s=9
